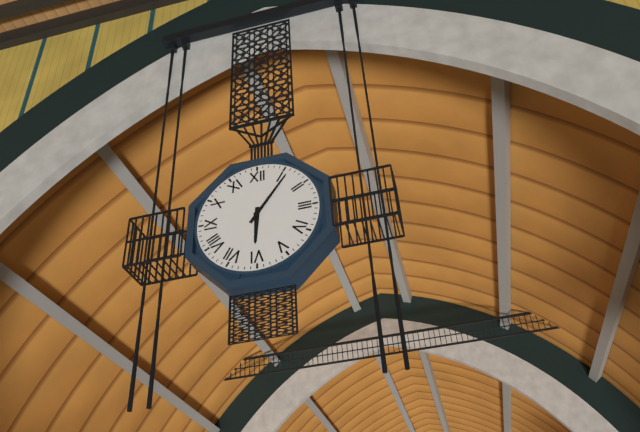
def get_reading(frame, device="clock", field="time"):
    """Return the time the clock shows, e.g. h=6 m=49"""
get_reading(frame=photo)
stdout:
h=6 m=6
